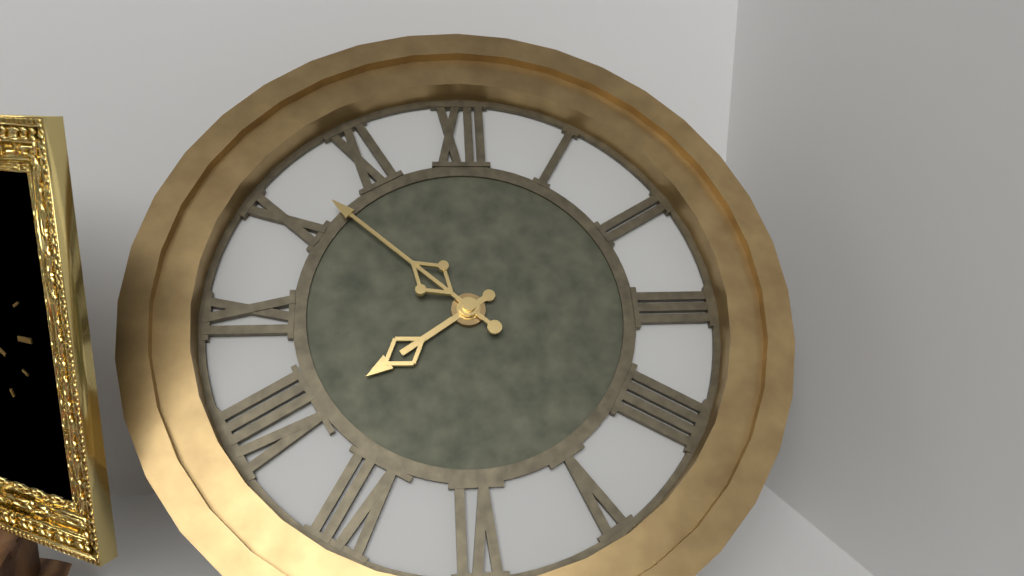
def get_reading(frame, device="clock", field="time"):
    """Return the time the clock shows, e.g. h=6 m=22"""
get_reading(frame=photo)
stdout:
h=7 m=52
